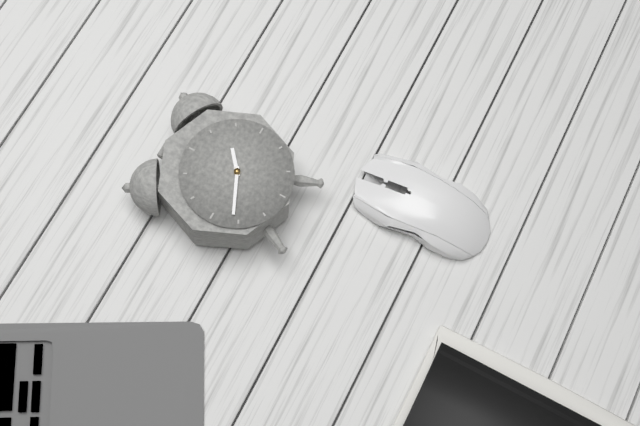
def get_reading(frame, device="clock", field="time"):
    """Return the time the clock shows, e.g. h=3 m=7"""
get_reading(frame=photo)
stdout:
h=1 m=41
